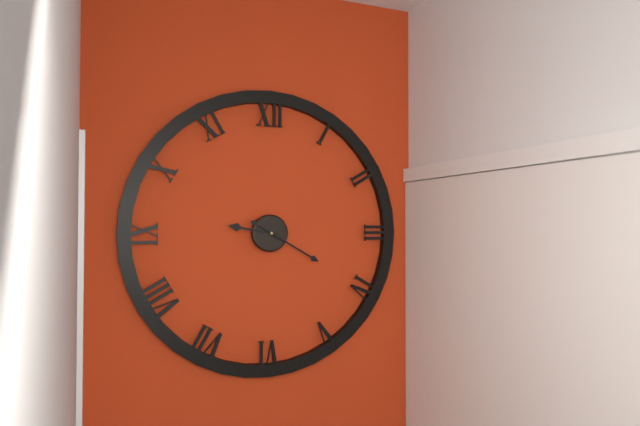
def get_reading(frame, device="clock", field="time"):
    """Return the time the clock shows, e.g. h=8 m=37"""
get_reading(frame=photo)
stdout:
h=9 m=20
